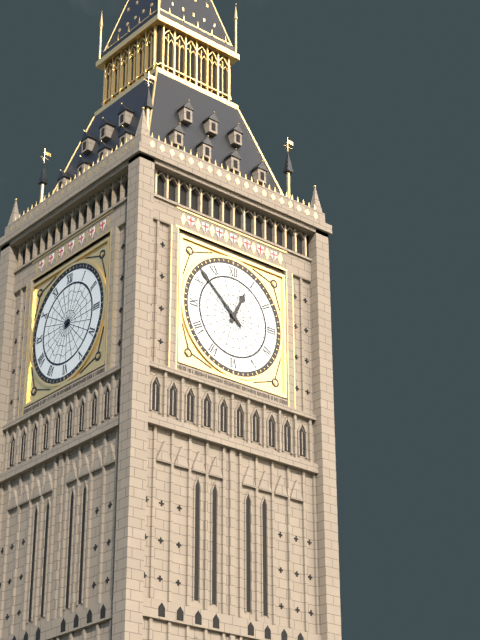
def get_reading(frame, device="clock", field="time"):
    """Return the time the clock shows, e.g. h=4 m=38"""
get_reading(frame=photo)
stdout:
h=12 m=52
